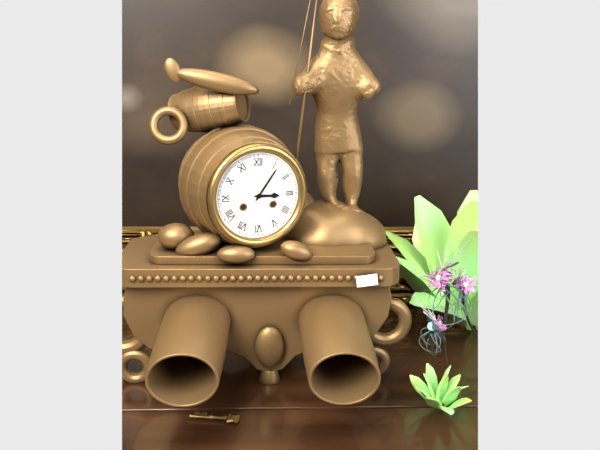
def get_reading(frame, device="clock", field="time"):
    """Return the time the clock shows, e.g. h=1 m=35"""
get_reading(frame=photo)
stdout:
h=3 m=6
